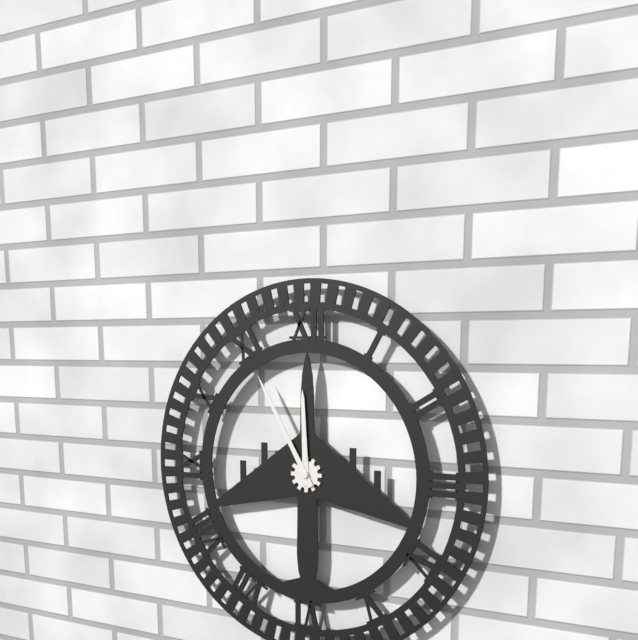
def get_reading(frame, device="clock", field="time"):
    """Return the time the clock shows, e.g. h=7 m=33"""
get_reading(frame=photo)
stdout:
h=11 m=55
